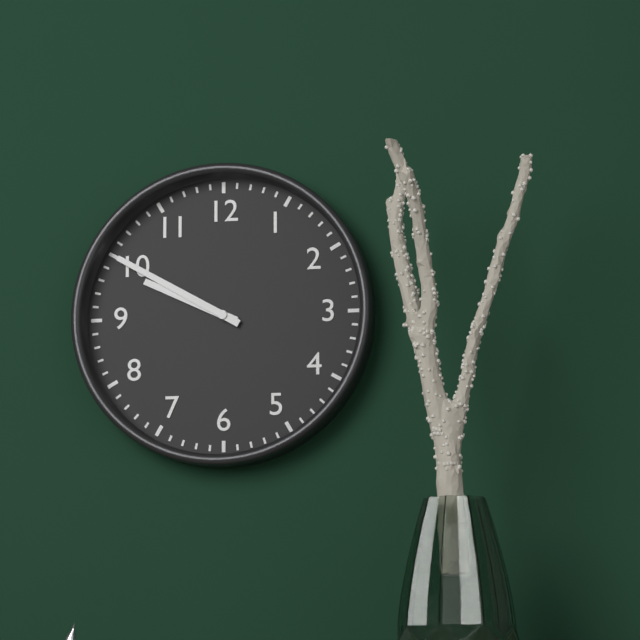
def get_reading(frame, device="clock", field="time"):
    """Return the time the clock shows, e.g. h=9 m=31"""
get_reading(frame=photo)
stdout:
h=9 m=50
